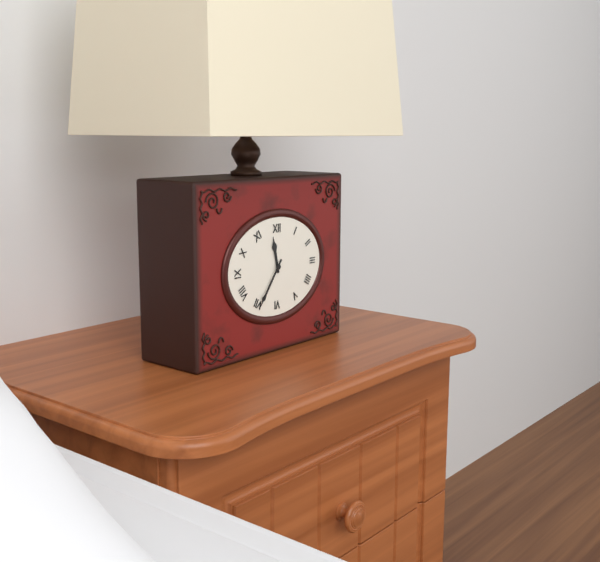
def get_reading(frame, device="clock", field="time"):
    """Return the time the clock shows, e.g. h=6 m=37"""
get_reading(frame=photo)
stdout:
h=11 m=36
